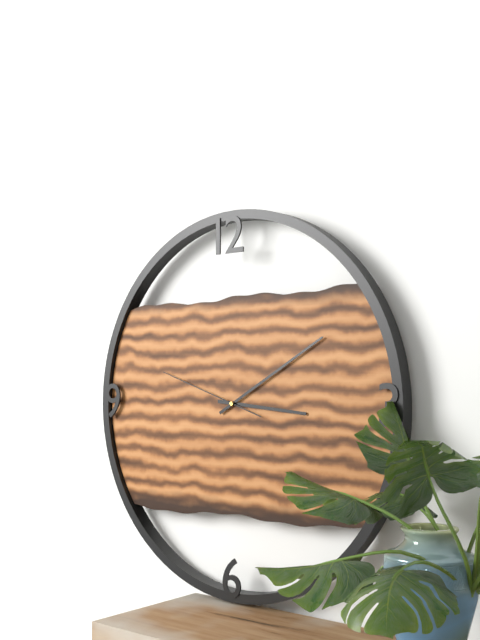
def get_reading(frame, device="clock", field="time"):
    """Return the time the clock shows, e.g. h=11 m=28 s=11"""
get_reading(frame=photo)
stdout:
h=3 m=10 s=48
